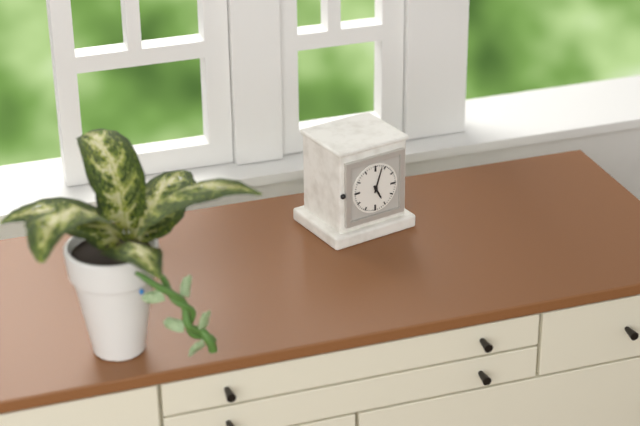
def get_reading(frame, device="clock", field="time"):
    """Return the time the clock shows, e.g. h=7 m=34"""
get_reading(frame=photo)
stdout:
h=5 m=3
